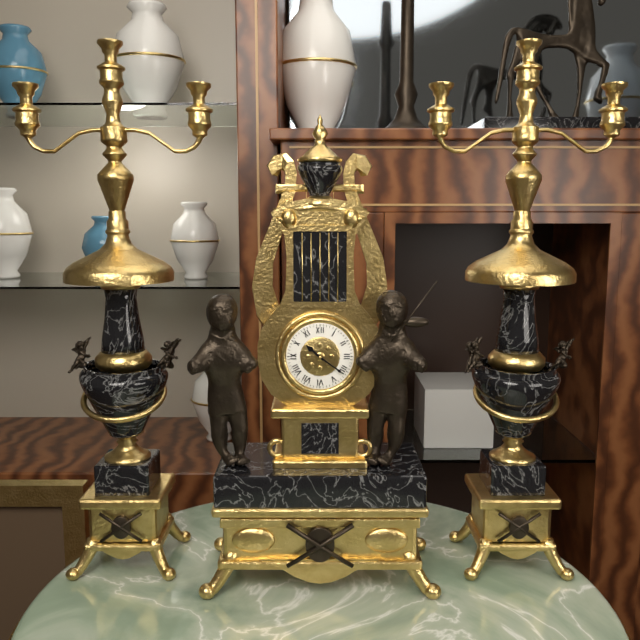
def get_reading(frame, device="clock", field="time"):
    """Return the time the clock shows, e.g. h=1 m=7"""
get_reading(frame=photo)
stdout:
h=10 m=21
